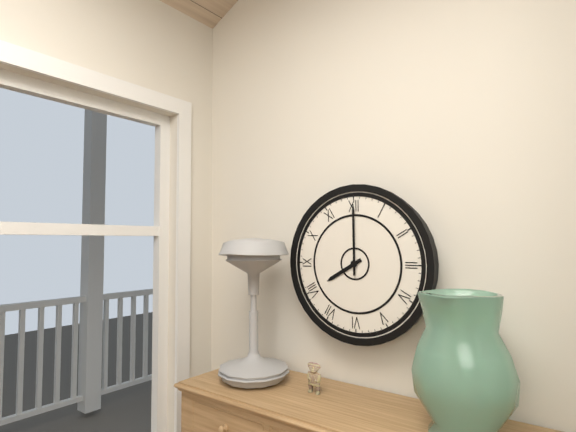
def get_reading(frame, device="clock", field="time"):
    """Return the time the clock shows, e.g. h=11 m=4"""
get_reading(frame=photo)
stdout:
h=8 m=0
